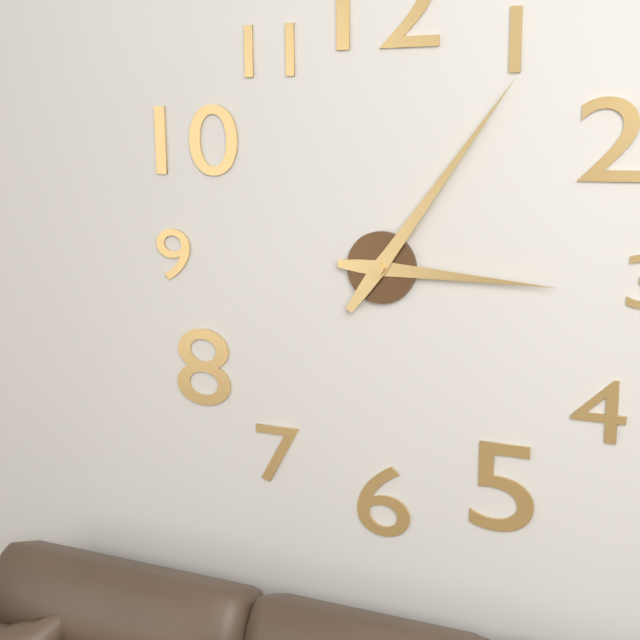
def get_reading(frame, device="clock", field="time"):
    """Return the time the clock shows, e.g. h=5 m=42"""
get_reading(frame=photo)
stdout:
h=3 m=6
